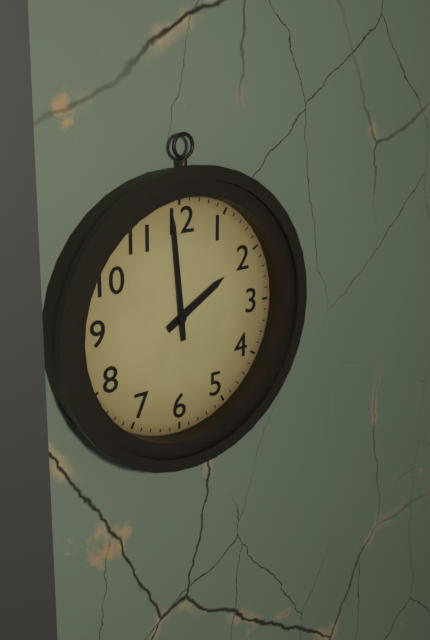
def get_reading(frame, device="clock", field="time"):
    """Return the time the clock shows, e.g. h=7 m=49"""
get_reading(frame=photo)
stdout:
h=1 m=59
